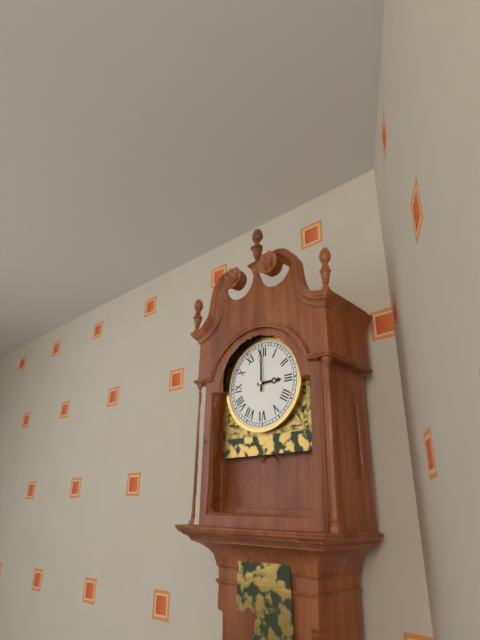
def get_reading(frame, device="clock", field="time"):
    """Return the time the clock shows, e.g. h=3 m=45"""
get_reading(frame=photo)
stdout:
h=3 m=0
